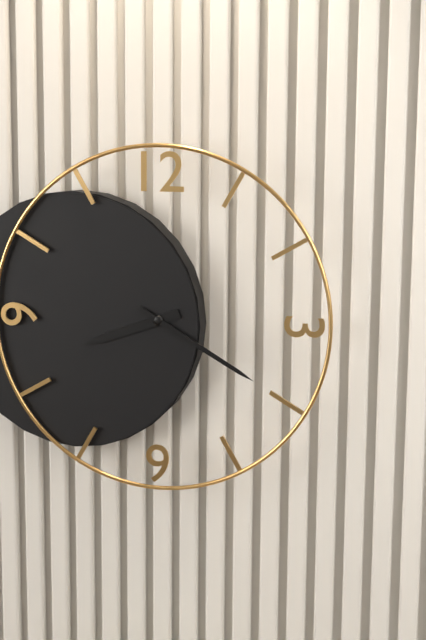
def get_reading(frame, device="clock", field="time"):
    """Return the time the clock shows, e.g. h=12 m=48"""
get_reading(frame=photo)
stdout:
h=8 m=20
